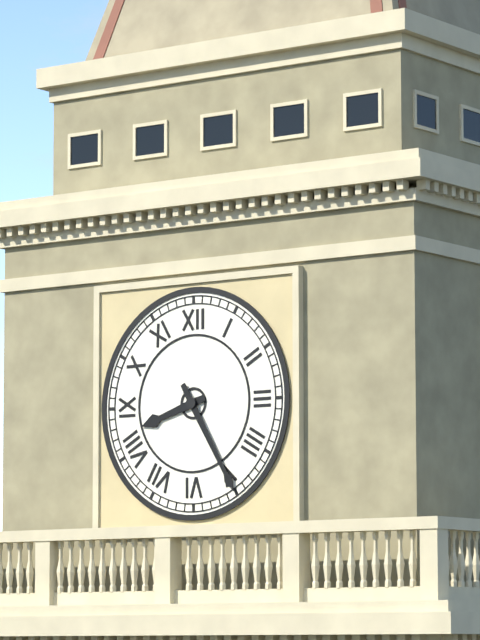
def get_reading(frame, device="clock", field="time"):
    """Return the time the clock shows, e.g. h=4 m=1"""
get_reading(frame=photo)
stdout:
h=8 m=25
